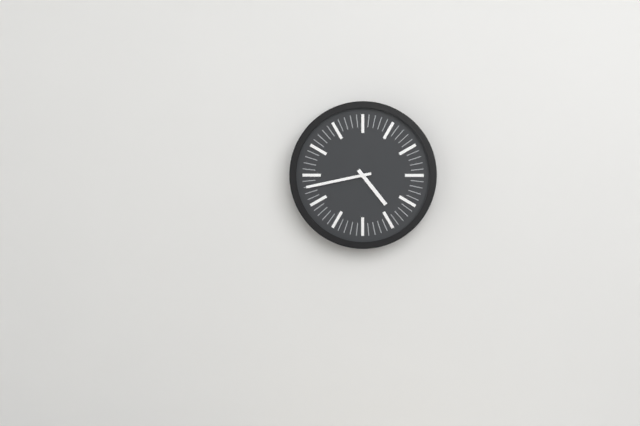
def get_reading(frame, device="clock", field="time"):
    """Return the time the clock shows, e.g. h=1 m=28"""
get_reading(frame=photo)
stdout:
h=4 m=43
